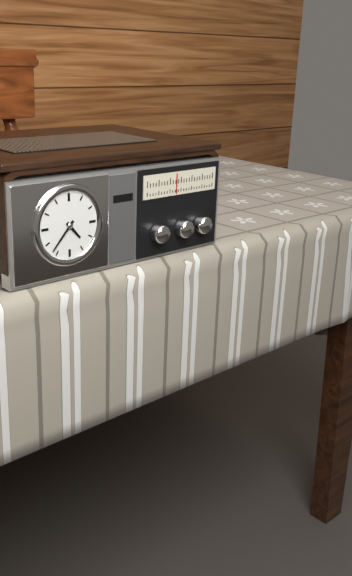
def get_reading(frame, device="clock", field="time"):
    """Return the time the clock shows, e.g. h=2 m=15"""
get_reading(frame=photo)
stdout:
h=4 m=37
